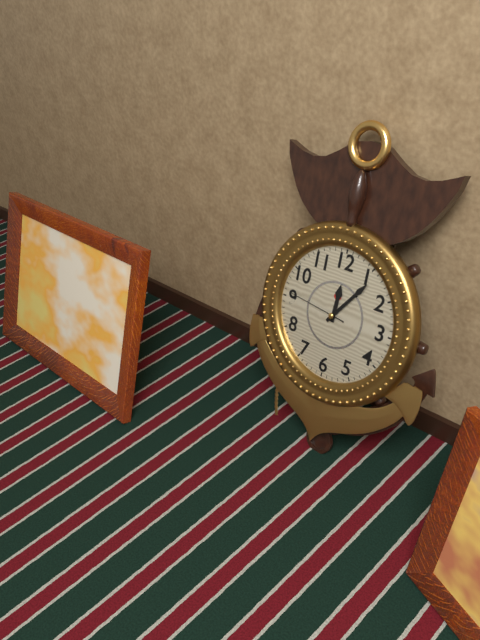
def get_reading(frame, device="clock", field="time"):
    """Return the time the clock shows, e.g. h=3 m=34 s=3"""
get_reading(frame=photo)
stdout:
h=12 m=6 s=46
